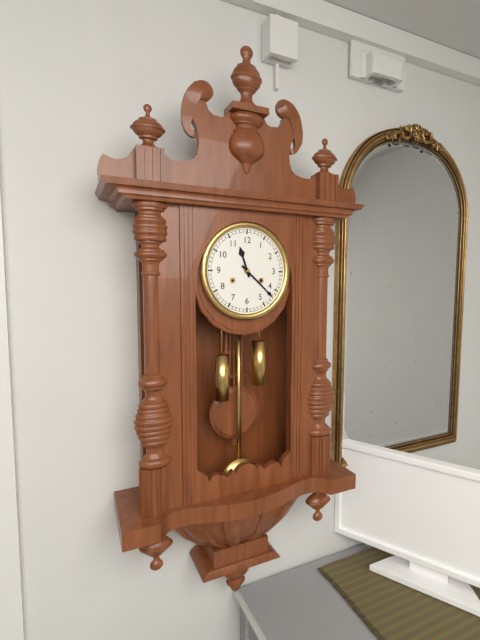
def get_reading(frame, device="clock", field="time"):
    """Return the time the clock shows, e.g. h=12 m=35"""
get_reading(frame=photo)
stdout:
h=11 m=22
